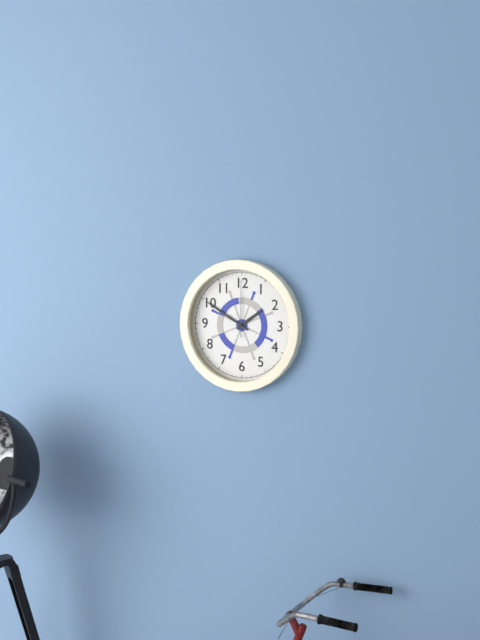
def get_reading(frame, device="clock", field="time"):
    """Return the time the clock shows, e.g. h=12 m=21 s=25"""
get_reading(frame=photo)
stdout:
h=1 m=50 s=0
